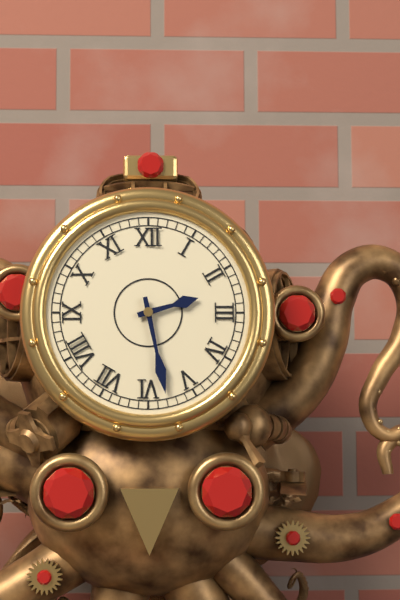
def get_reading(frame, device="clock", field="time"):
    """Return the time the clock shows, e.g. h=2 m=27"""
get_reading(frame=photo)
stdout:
h=2 m=28
